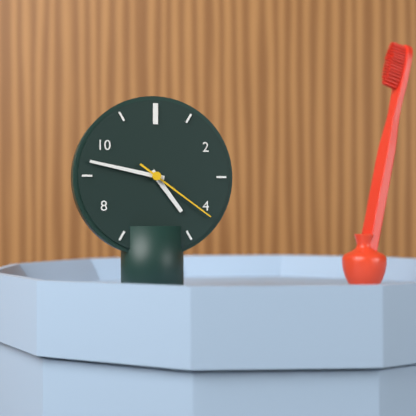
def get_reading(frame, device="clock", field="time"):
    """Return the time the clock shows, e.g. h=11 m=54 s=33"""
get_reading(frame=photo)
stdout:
h=4 m=47 s=21
